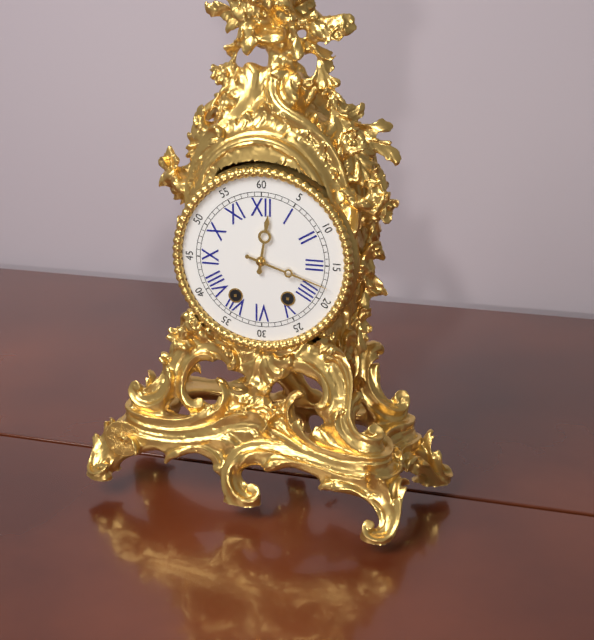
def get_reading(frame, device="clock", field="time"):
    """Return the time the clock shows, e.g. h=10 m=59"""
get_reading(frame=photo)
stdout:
h=12 m=18
